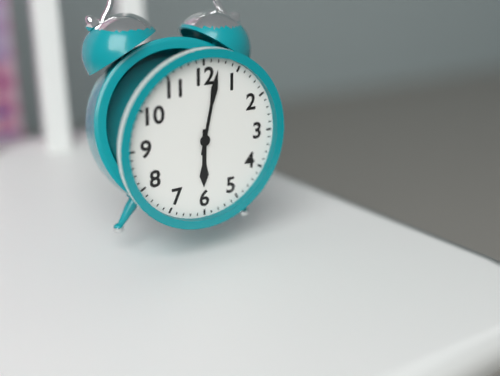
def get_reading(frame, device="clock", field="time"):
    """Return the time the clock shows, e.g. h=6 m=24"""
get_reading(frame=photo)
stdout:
h=6 m=2
